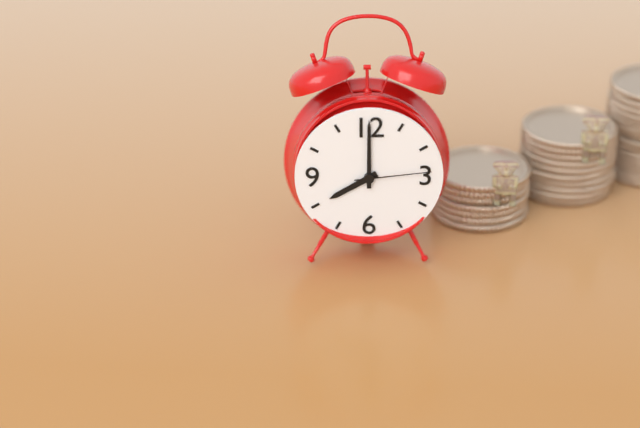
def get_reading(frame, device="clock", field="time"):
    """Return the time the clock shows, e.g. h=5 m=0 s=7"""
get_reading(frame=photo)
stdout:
h=8 m=0 s=14
